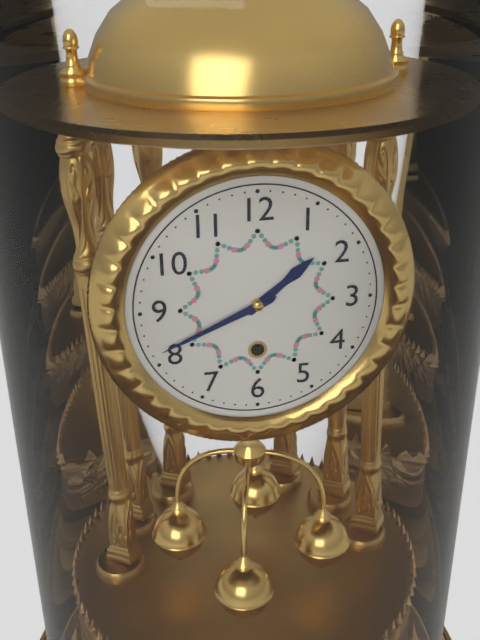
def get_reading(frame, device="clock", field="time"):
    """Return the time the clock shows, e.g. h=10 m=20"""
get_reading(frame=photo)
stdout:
h=1 m=41
